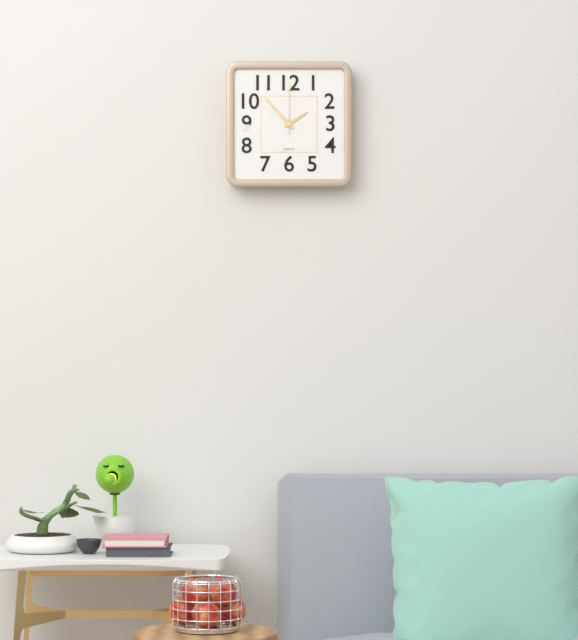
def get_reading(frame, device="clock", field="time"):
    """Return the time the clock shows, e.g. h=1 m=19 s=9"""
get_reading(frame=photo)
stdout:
h=1 m=53 s=0
